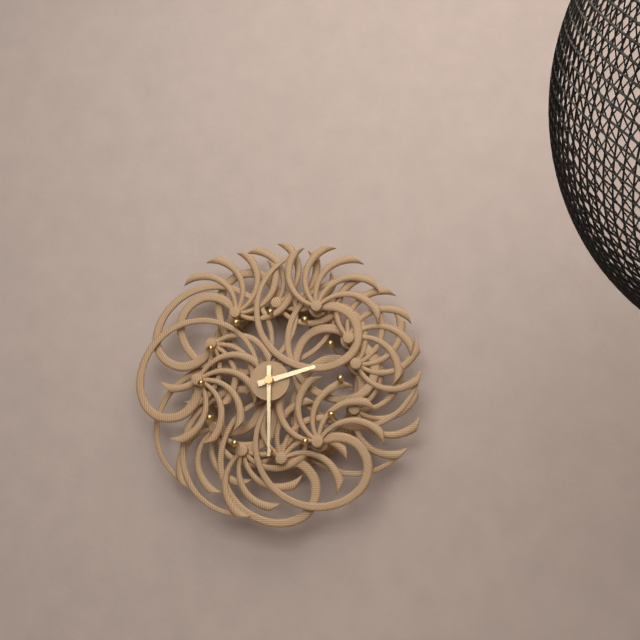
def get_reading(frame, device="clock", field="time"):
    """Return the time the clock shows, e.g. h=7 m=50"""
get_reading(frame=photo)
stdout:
h=2 m=30
